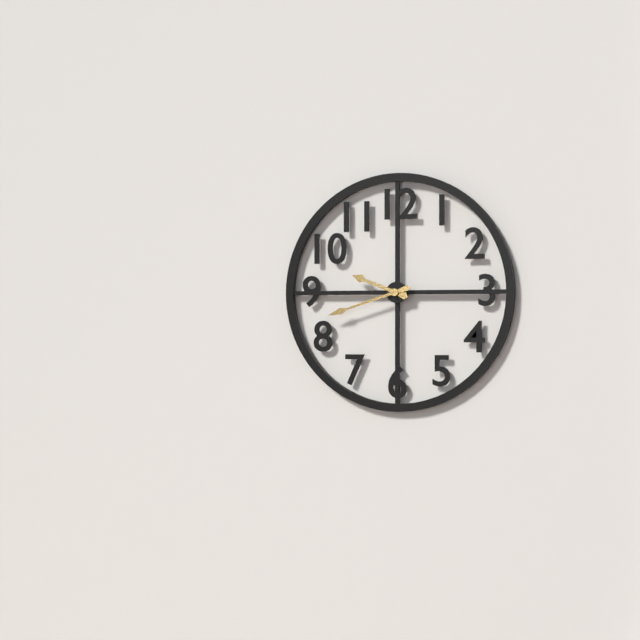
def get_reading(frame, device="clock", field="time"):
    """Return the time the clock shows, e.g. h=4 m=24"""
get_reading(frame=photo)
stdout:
h=9 m=42
